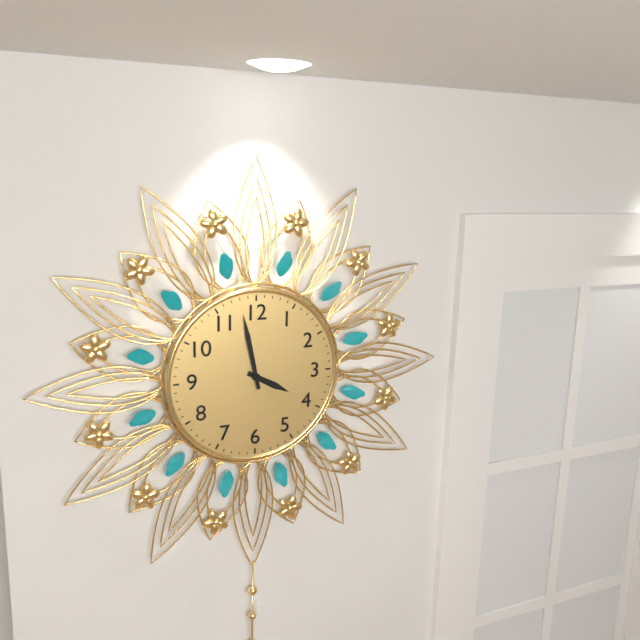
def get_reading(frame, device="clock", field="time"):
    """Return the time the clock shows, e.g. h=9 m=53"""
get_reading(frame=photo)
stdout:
h=3 m=58
